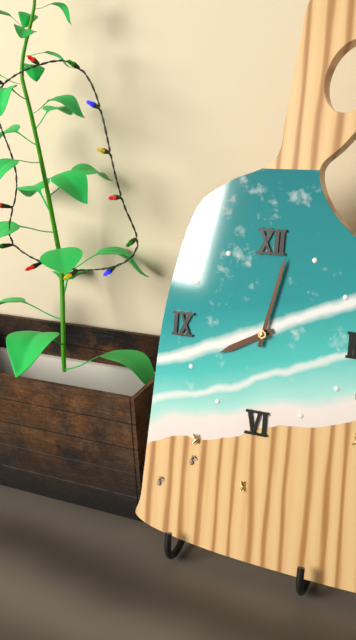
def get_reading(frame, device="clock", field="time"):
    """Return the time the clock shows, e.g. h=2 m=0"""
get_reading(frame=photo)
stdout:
h=8 m=2
